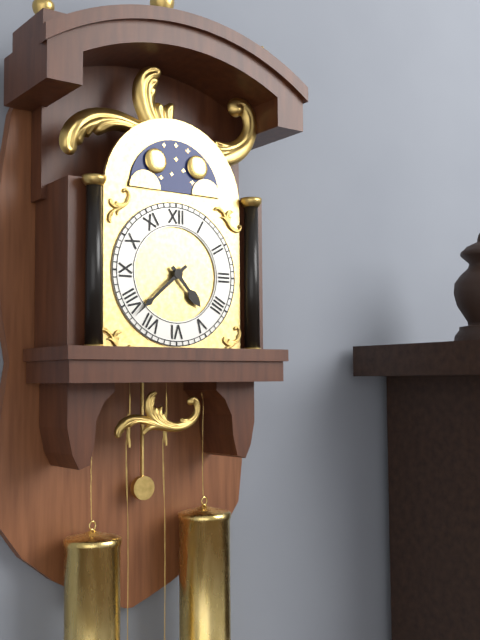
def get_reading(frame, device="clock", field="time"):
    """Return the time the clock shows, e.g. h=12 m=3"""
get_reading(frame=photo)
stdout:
h=4 m=38
